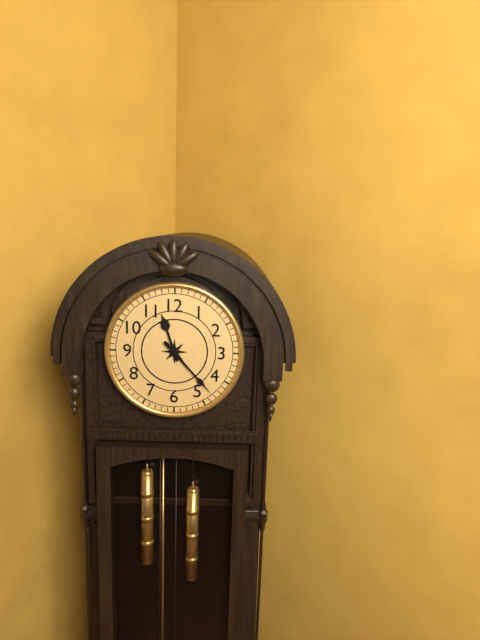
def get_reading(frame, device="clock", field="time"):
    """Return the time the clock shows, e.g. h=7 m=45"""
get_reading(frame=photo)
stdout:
h=11 m=23
